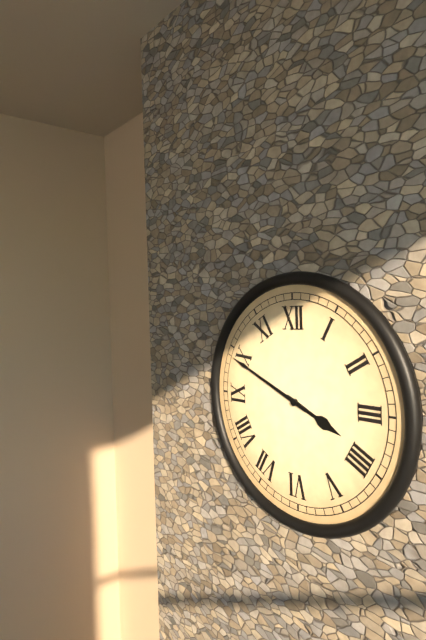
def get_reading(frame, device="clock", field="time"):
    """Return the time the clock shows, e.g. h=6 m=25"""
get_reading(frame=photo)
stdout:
h=3 m=49
